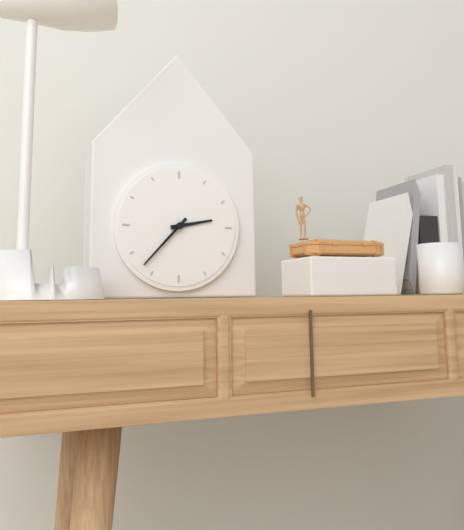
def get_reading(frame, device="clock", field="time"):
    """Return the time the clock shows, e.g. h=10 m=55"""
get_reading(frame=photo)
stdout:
h=2 m=37
